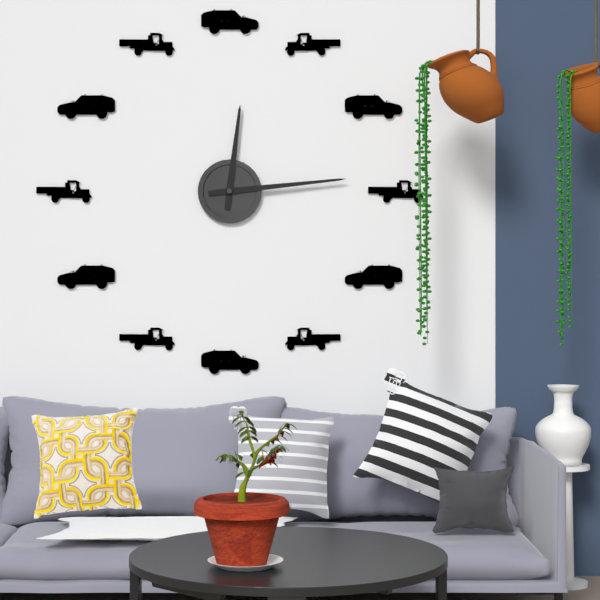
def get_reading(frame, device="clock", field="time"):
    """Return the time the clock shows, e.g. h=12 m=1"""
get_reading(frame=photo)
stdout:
h=12 m=14
